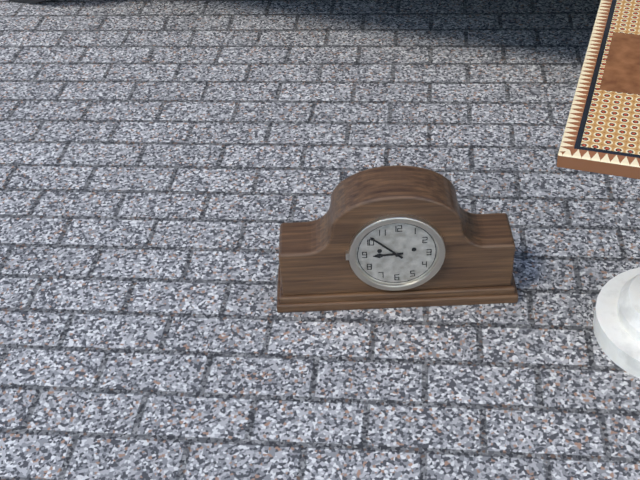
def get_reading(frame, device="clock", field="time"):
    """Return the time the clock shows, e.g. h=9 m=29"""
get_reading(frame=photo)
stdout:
h=8 m=52
